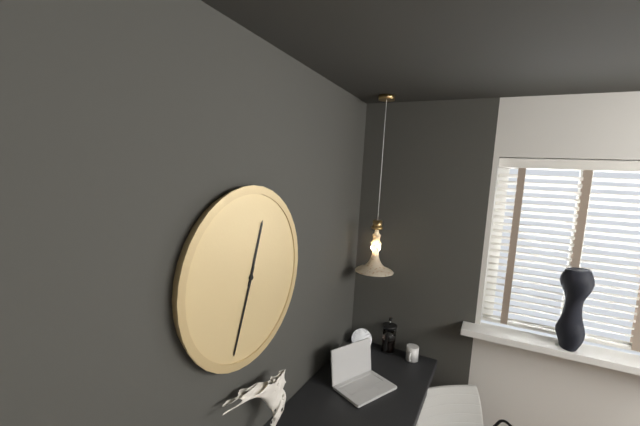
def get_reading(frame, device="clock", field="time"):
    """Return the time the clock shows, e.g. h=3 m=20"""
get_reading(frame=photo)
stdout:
h=12 m=33
